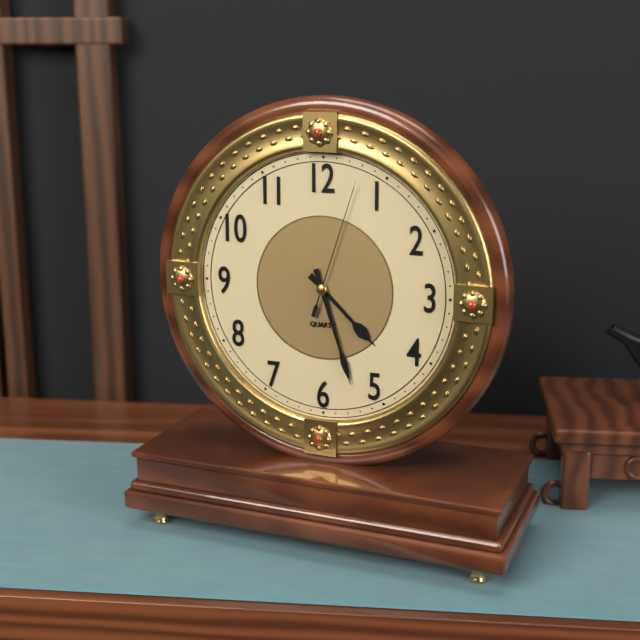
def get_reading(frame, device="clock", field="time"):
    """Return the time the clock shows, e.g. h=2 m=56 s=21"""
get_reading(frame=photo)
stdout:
h=4 m=27 s=3
